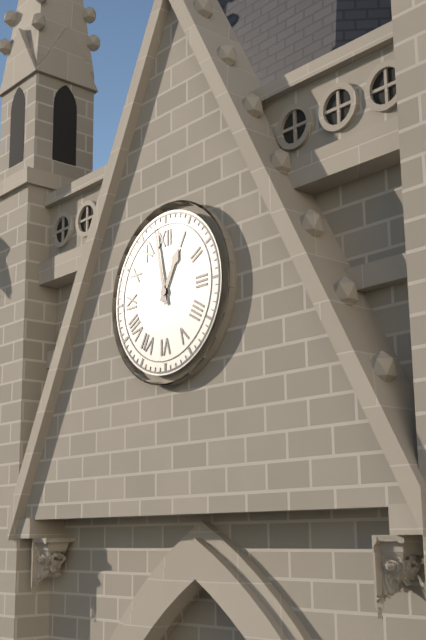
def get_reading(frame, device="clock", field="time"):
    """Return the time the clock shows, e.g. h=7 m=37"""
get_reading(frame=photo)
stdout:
h=12 m=58
